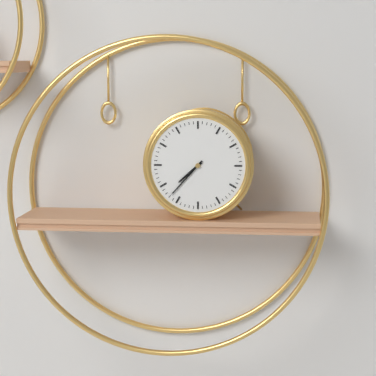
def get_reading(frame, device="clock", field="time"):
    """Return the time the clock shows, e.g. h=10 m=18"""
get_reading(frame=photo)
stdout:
h=7 m=37
